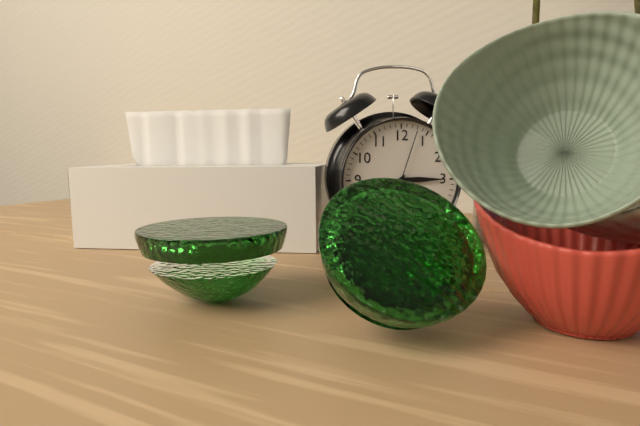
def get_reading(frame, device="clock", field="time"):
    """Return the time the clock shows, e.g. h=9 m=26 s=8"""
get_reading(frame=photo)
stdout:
h=7 m=15 s=3
